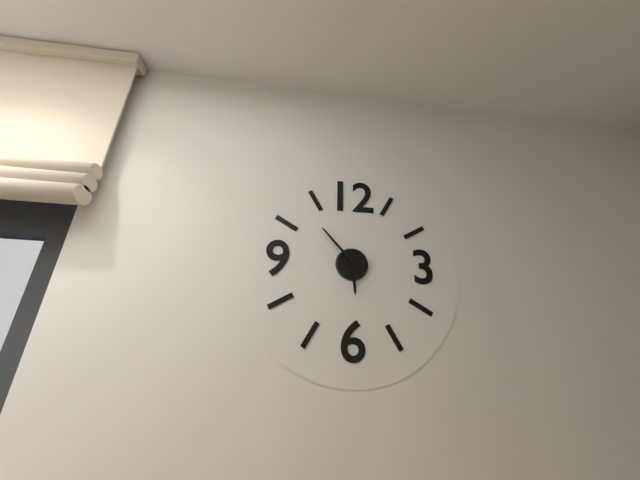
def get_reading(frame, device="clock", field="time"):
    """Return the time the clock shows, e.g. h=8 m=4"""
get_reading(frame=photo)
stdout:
h=5 m=53
